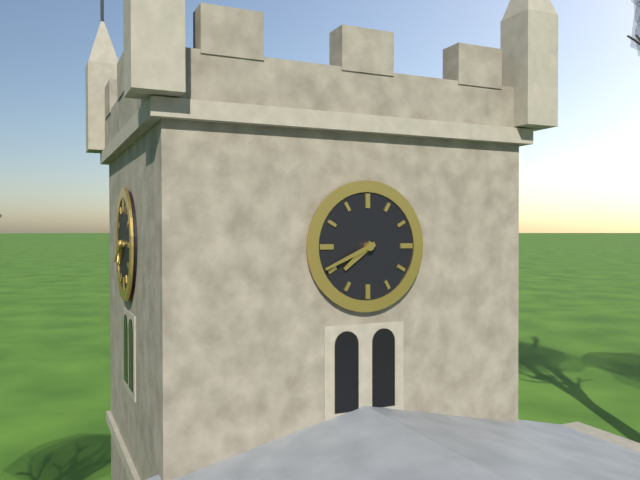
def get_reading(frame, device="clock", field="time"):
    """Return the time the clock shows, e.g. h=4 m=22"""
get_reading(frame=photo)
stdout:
h=7 m=41
